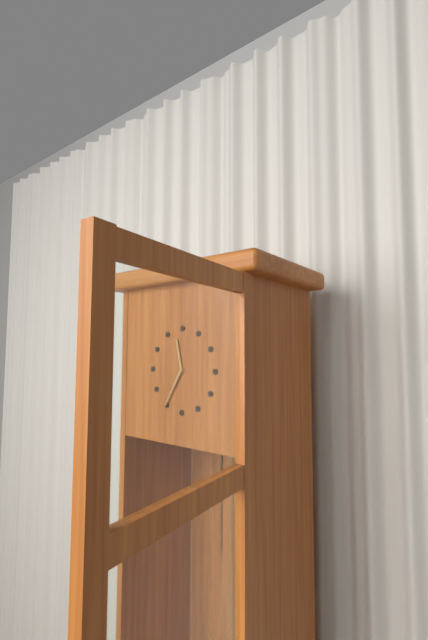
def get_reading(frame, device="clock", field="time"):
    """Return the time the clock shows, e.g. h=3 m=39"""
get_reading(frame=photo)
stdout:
h=11 m=35
